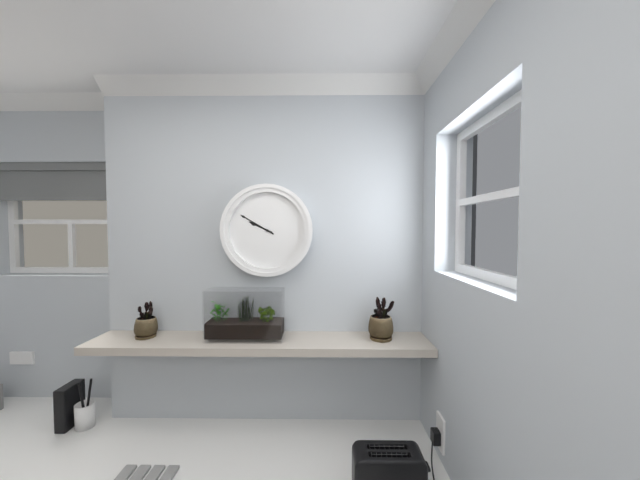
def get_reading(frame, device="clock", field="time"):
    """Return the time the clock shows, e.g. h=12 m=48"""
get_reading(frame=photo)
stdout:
h=9 m=50
